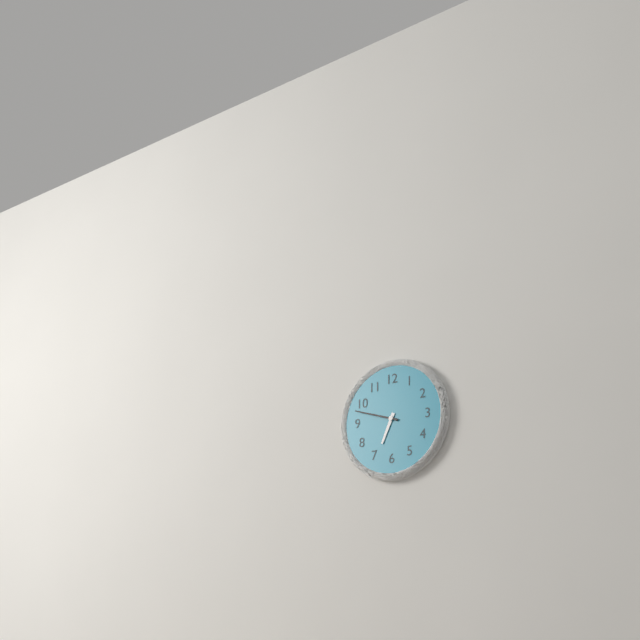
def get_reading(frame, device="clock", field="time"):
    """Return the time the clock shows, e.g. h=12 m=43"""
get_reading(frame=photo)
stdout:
h=6 m=48
